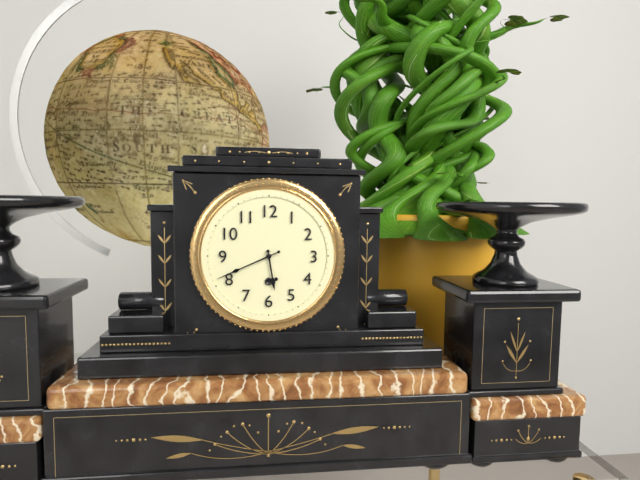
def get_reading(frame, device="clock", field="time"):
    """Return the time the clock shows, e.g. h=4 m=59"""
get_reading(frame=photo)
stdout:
h=5 m=41
